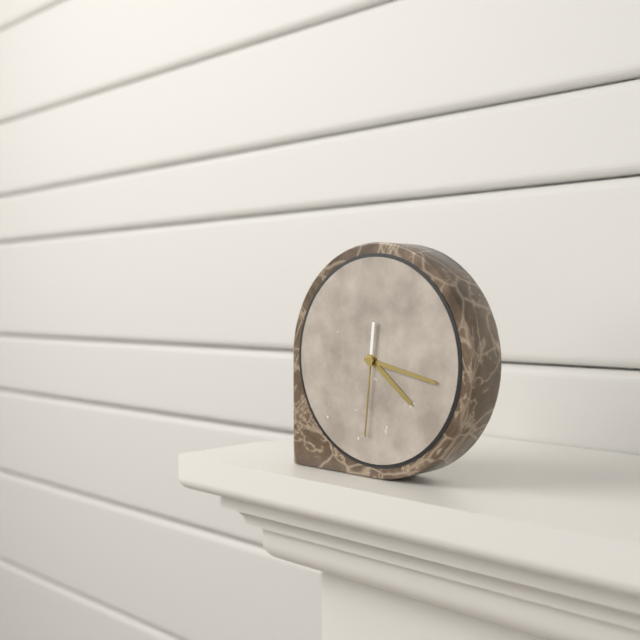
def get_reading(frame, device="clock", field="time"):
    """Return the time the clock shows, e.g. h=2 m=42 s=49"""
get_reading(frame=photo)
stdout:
h=4 m=17 s=31
